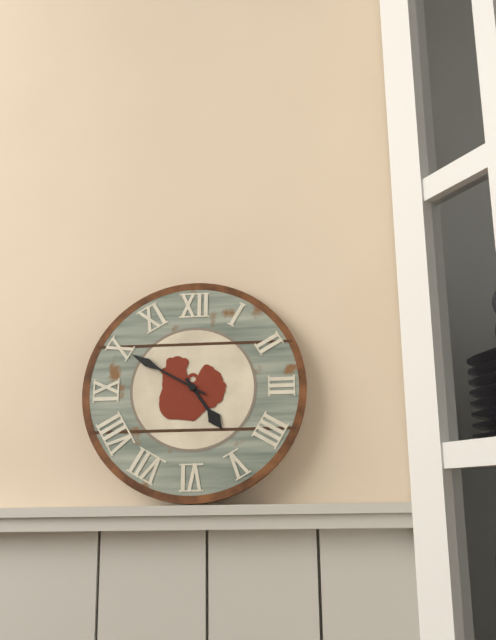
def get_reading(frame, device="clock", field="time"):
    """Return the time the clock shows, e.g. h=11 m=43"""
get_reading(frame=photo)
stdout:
h=4 m=50
